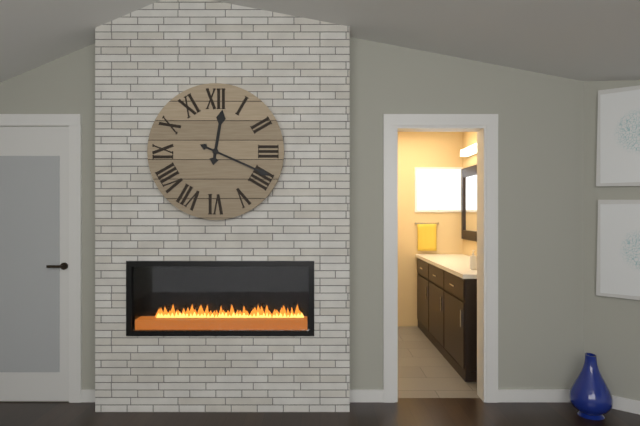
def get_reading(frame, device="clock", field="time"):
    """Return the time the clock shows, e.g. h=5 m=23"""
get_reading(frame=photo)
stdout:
h=12 m=19
